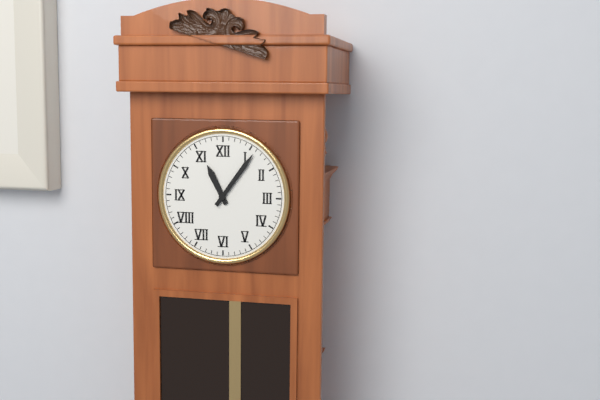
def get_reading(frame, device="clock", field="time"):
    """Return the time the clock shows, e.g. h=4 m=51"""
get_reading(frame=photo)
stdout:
h=11 m=6
